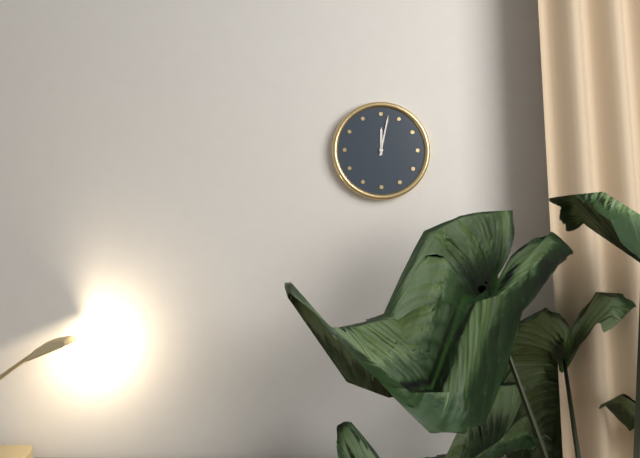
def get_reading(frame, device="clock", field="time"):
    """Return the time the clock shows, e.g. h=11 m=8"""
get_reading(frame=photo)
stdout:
h=12 m=2
